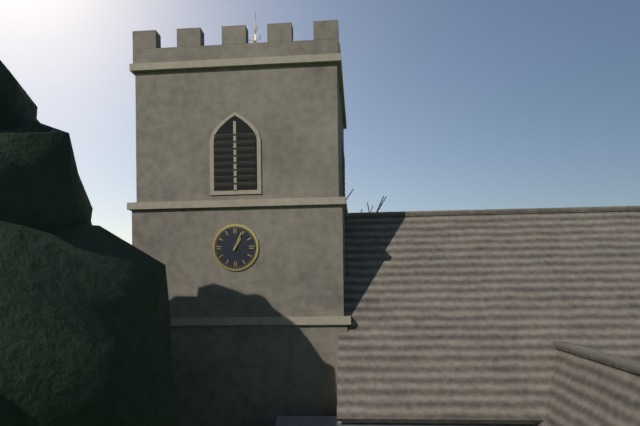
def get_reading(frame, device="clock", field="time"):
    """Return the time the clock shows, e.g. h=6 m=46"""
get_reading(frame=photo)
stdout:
h=1 m=4
